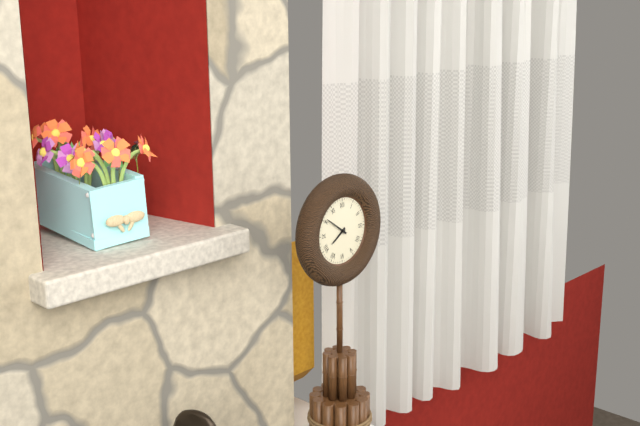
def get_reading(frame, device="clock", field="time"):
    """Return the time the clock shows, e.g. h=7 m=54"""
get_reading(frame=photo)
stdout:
h=7 m=51
